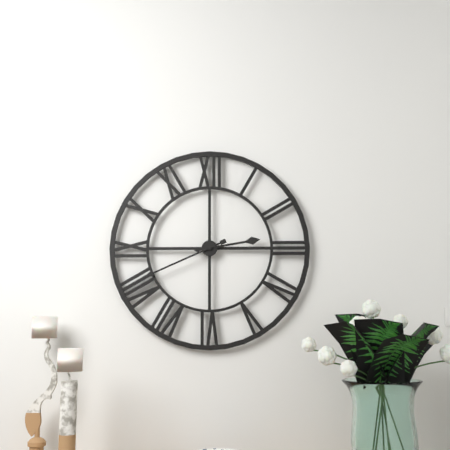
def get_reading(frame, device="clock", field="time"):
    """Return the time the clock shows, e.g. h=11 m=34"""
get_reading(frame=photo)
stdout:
h=2 m=41
